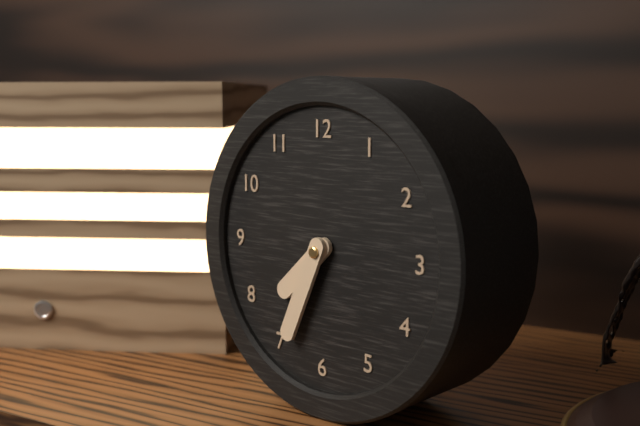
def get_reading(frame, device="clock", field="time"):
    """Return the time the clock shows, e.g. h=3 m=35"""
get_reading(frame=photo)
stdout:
h=7 m=34
